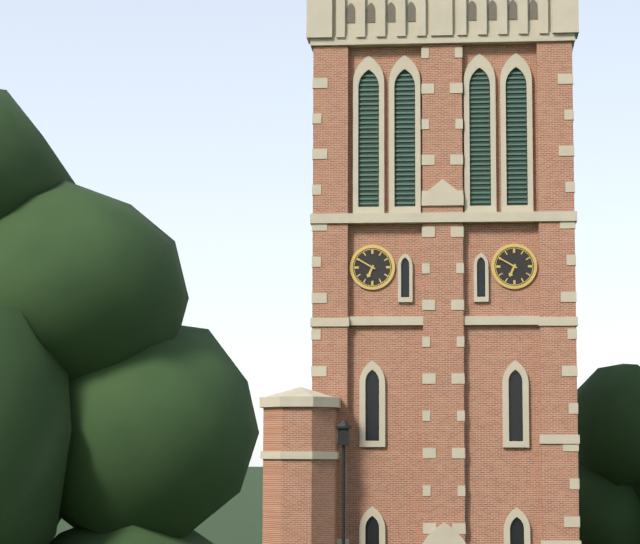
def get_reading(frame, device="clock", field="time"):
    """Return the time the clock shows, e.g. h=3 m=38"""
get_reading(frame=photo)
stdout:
h=6 m=50
